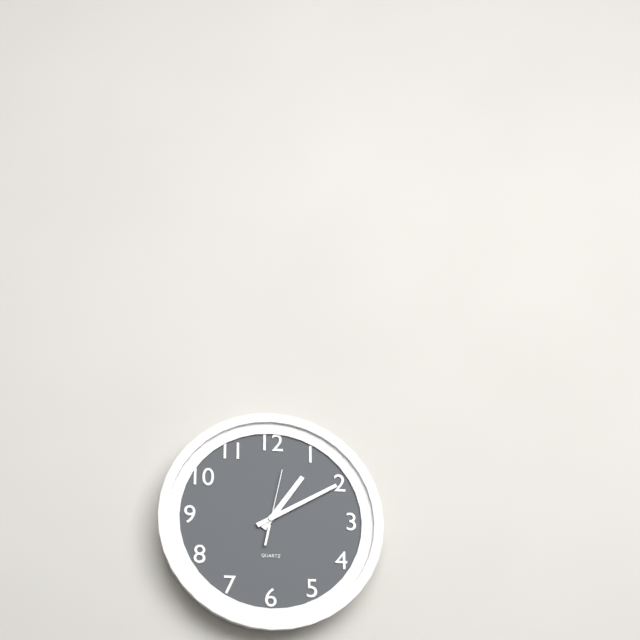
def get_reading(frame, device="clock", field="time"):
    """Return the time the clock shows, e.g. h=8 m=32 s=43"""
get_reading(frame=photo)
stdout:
h=1 m=10 s=2
